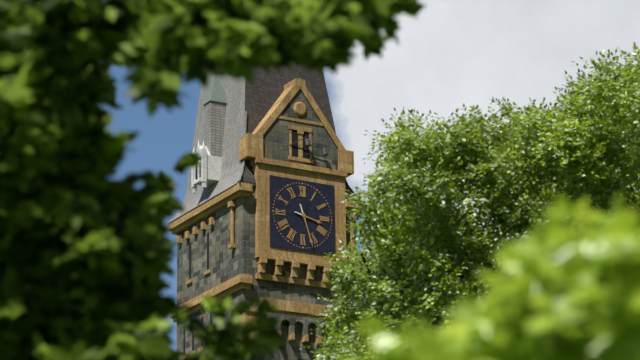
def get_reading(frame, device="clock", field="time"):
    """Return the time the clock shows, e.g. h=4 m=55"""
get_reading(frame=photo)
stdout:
h=3 m=27
